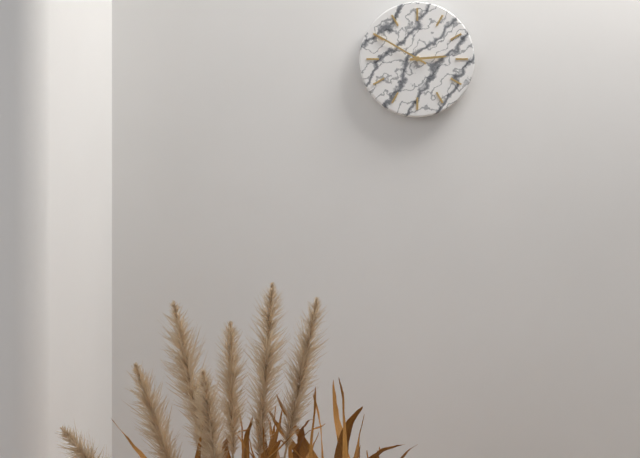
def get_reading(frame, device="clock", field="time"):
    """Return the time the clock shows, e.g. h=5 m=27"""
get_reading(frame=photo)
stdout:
h=2 m=50
